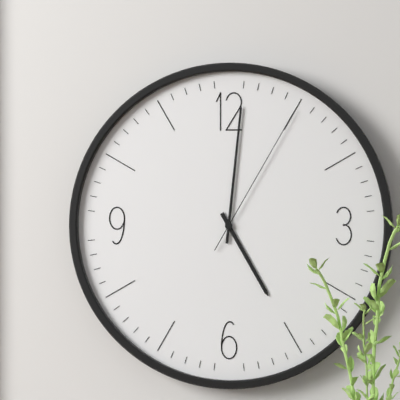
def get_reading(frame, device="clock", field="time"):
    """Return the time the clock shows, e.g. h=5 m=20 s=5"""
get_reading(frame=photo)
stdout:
h=5 m=1 s=5
